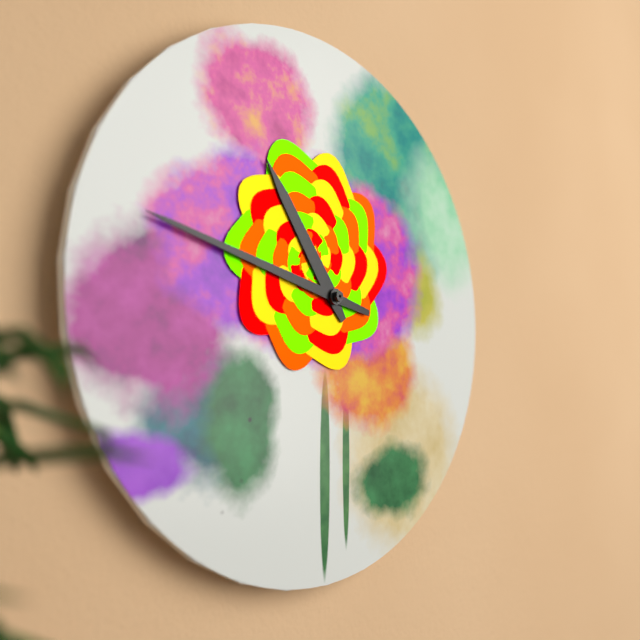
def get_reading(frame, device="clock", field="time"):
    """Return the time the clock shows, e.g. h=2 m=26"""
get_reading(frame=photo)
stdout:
h=10 m=47
